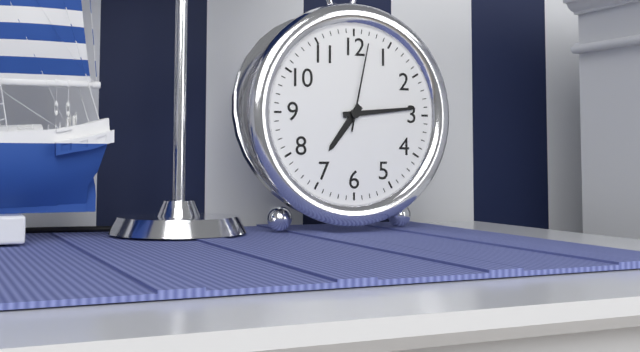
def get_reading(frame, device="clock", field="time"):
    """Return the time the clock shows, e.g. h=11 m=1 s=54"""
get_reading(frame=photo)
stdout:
h=7 m=14 s=2
